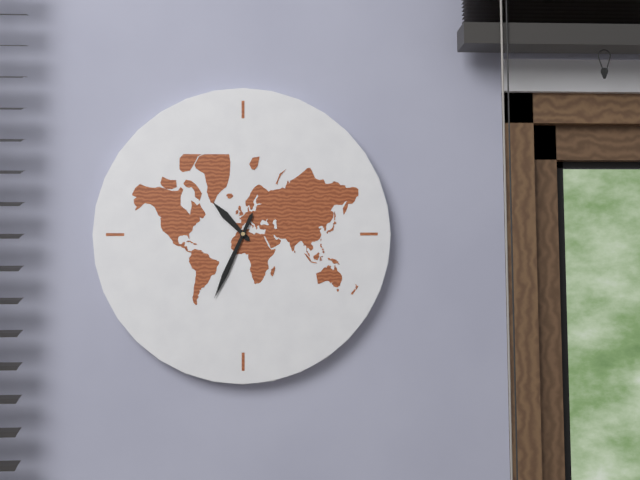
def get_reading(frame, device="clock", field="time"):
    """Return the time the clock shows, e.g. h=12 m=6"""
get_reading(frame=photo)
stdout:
h=10 m=34
